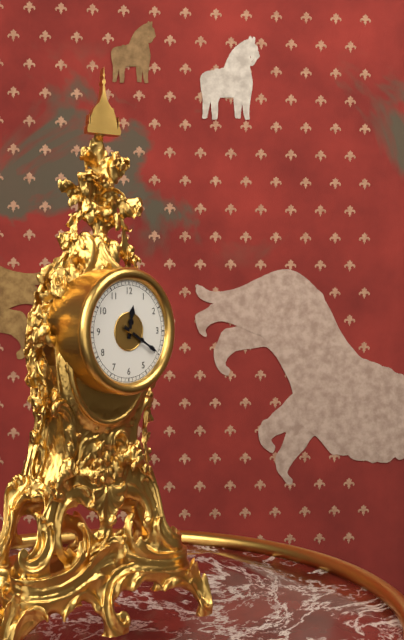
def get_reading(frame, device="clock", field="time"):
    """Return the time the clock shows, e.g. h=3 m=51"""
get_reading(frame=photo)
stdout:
h=12 m=20
